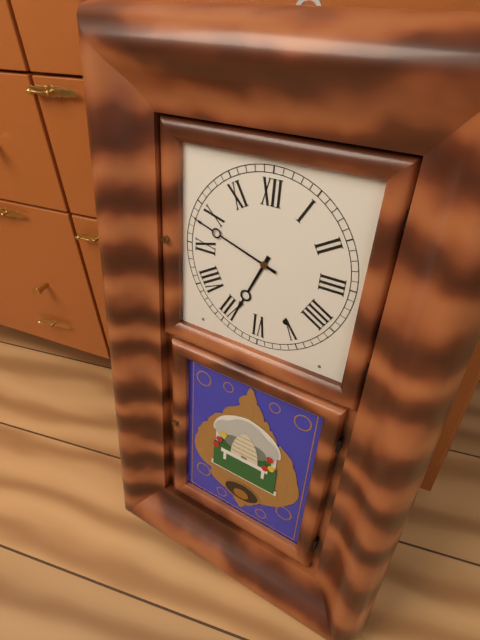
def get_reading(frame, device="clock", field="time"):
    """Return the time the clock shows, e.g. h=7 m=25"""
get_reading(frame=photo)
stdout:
h=6 m=48
